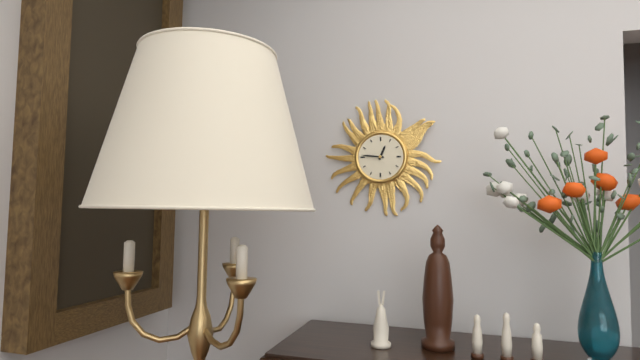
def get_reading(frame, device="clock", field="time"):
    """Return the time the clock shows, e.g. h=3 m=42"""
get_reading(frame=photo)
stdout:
h=12 m=46
